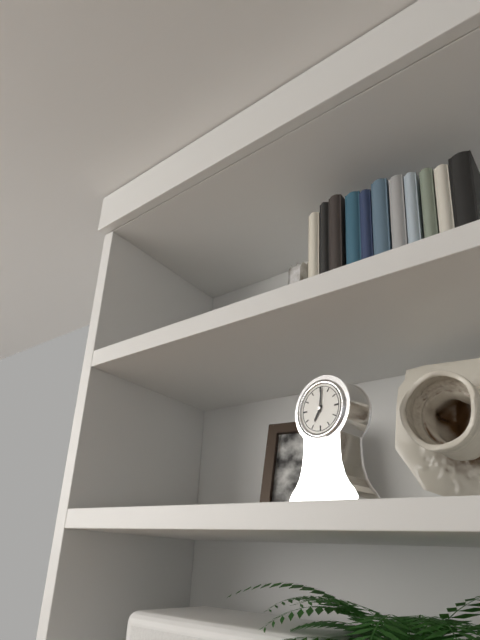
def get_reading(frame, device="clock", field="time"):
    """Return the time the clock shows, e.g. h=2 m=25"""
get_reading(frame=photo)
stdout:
h=7 m=1
